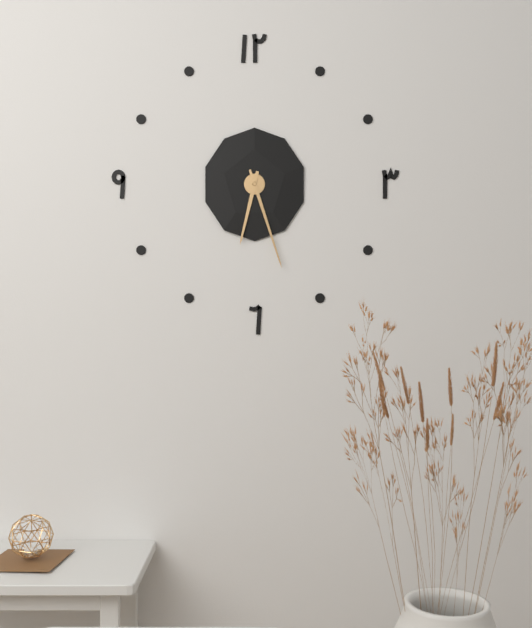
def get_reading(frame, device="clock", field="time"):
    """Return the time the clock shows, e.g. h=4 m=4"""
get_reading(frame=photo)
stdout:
h=6 m=27
